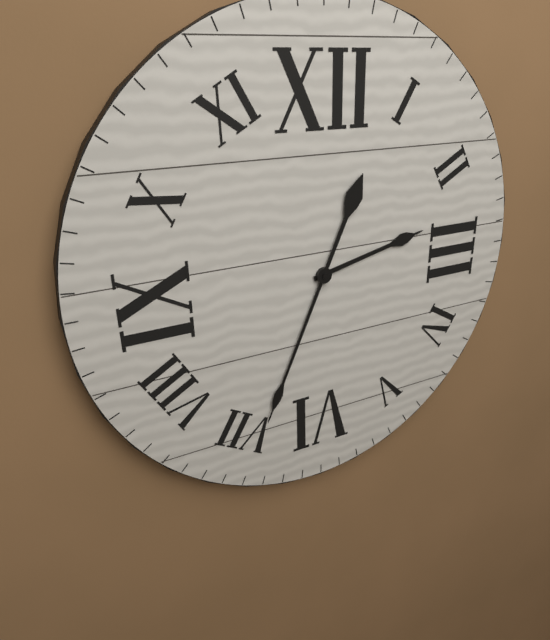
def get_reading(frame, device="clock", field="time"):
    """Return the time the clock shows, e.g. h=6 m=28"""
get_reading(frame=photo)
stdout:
h=2 m=34
